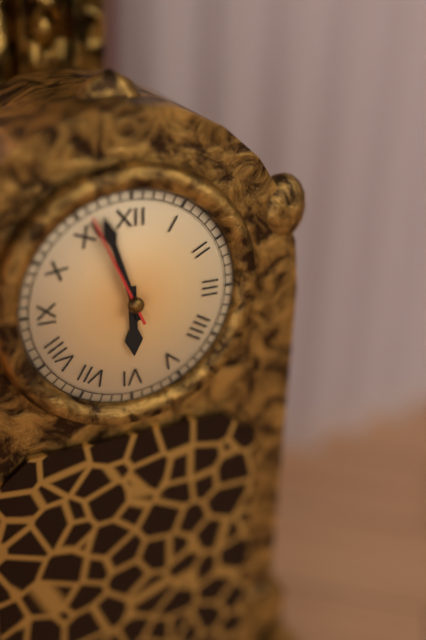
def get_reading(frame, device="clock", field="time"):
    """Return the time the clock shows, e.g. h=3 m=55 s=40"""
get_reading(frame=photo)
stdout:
h=5 m=57 s=56
